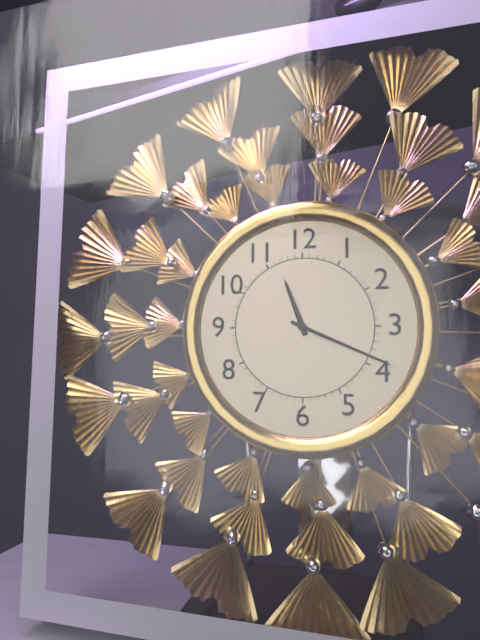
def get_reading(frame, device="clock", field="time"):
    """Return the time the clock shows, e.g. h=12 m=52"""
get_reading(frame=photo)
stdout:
h=11 m=19
